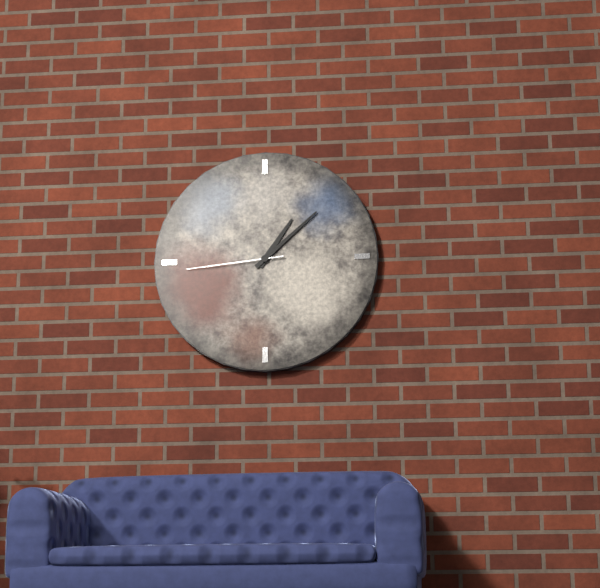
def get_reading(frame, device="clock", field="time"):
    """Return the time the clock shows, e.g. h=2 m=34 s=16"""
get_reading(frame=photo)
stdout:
h=1 m=8 s=44
